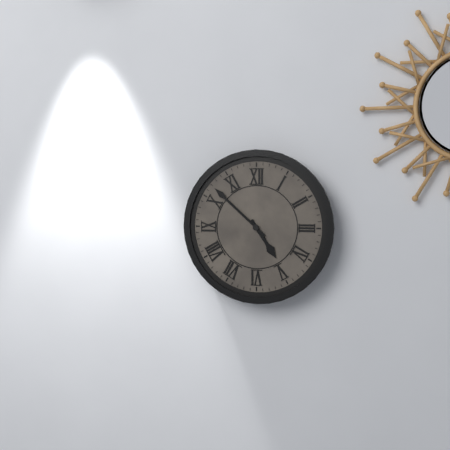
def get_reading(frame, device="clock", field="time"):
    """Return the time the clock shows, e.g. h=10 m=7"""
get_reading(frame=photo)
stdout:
h=4 m=52
